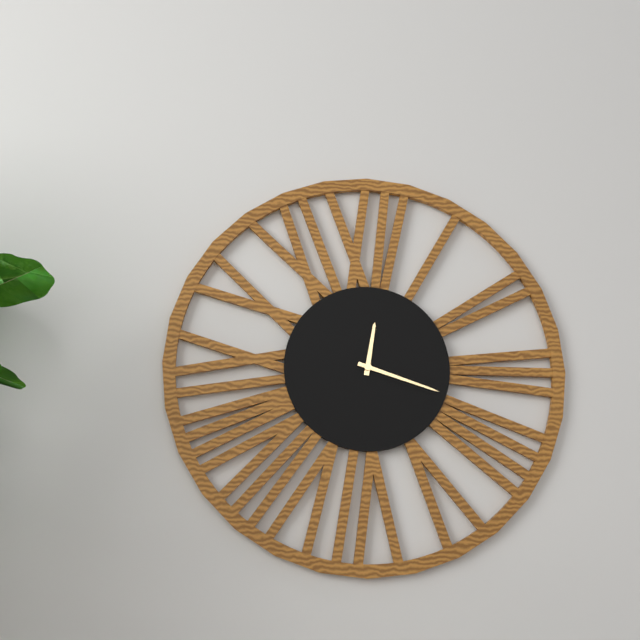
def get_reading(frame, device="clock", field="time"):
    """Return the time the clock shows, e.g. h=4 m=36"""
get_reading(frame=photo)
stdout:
h=12 m=18
